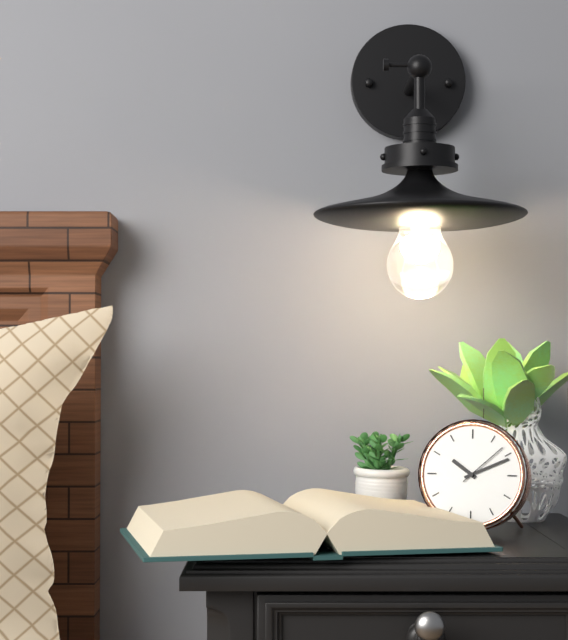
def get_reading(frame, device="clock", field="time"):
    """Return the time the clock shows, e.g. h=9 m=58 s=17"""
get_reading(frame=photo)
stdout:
h=10 m=11 s=8
